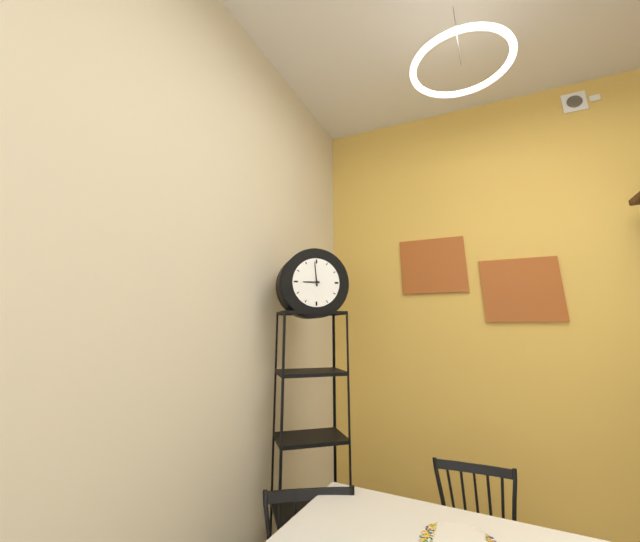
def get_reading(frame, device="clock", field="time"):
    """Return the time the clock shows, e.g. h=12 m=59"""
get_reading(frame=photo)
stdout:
h=8 m=59
